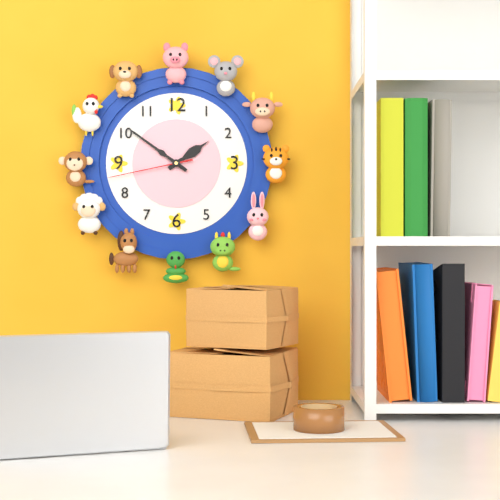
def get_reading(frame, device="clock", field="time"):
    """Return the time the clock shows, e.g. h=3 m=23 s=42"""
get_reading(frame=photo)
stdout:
h=1 m=51 s=43
